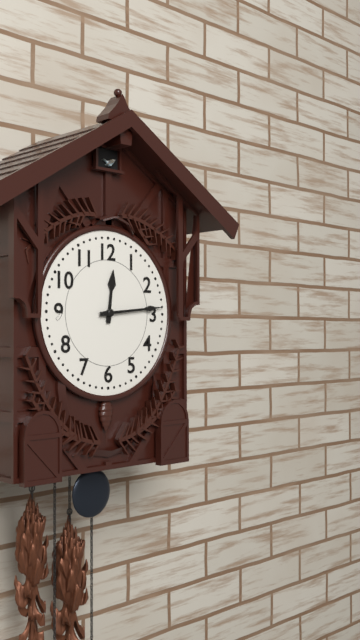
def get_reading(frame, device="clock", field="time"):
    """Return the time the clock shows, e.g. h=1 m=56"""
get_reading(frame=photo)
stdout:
h=12 m=14
